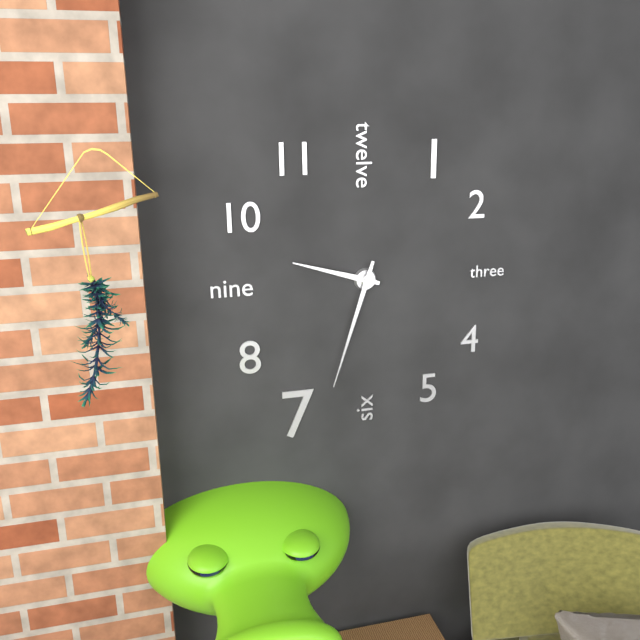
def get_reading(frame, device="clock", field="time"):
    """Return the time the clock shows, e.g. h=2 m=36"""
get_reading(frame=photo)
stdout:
h=9 m=33
